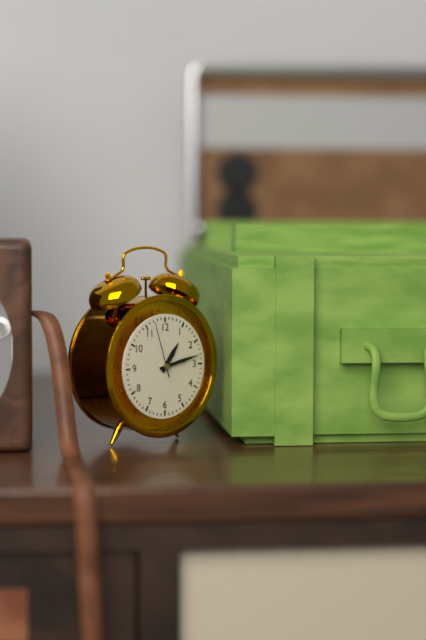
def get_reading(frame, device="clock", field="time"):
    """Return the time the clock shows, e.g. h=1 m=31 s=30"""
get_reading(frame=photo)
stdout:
h=1 m=13 s=57
